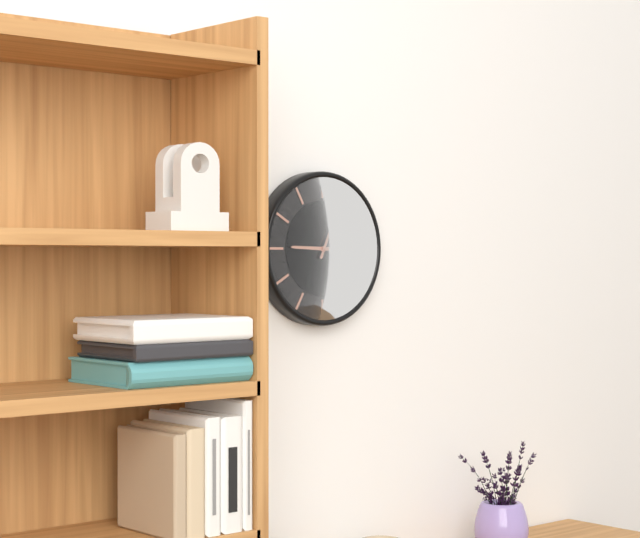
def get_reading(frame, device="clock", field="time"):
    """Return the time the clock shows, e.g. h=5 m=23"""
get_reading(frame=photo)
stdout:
h=9 m=4
